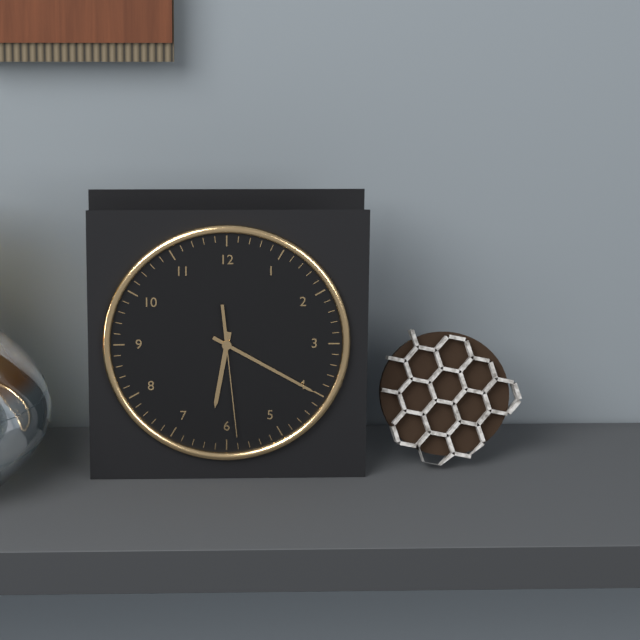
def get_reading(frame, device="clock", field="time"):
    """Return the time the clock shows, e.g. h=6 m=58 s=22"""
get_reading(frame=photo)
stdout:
h=6 m=20 s=29
